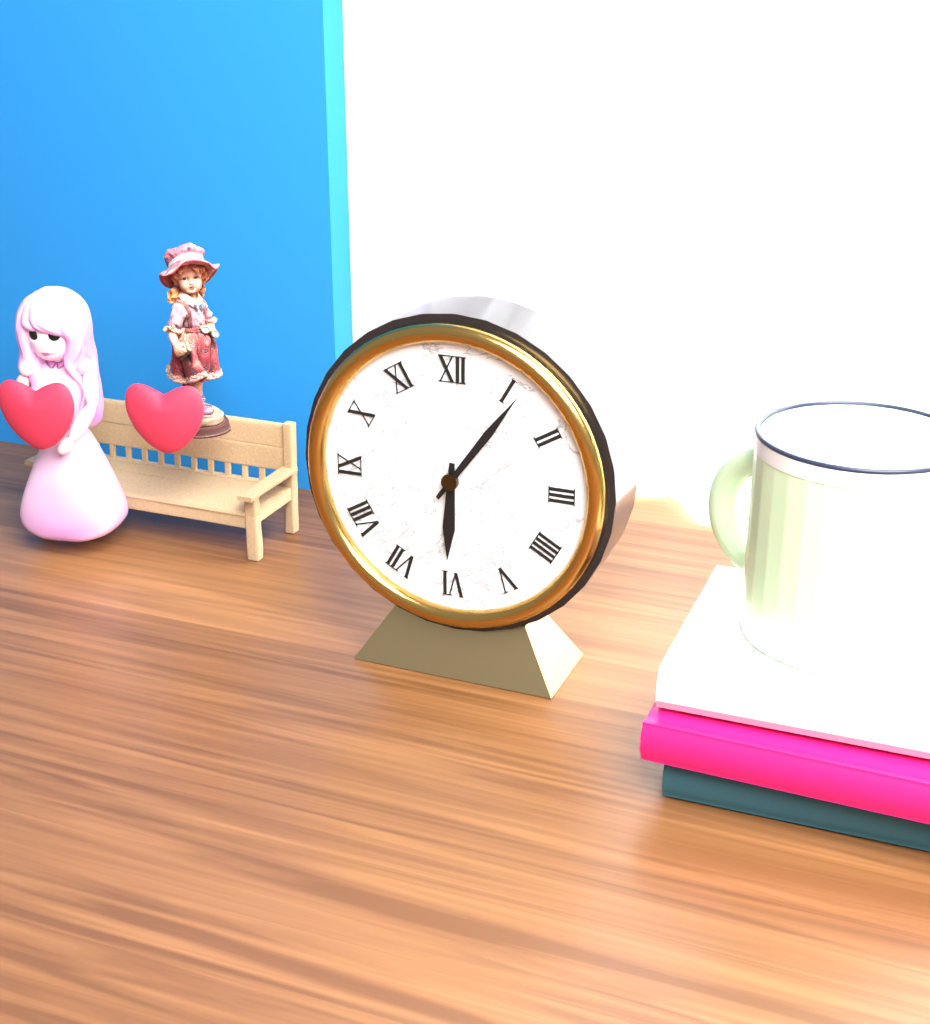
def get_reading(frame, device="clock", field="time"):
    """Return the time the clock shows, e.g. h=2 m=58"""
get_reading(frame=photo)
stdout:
h=6 m=6
